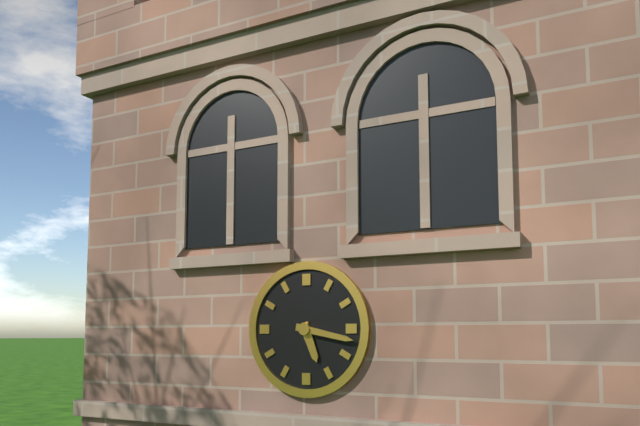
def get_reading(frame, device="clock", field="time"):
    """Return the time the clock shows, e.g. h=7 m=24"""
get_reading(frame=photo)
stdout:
h=5 m=17
